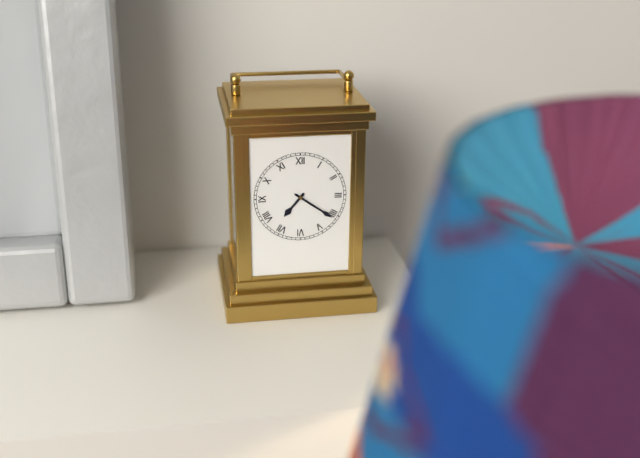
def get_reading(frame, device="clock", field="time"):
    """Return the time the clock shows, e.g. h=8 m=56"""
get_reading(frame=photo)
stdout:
h=7 m=21
